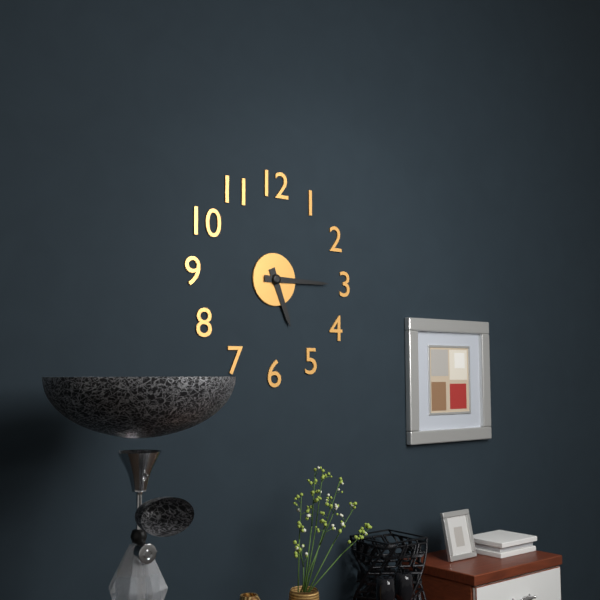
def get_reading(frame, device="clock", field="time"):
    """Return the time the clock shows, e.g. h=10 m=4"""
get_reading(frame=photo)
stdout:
h=5 m=15
